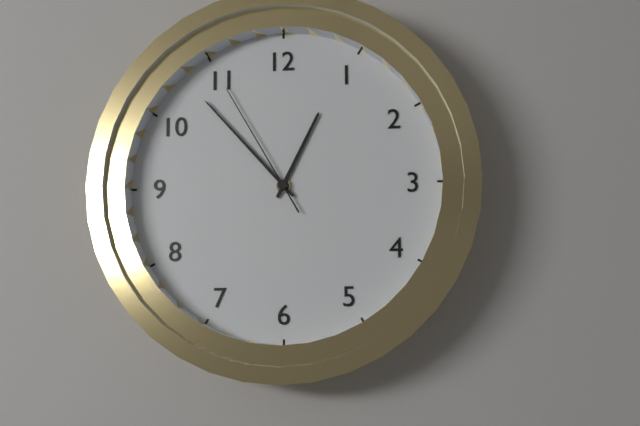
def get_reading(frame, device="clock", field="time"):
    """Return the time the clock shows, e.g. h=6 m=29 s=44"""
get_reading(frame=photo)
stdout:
h=12 m=53 s=55
